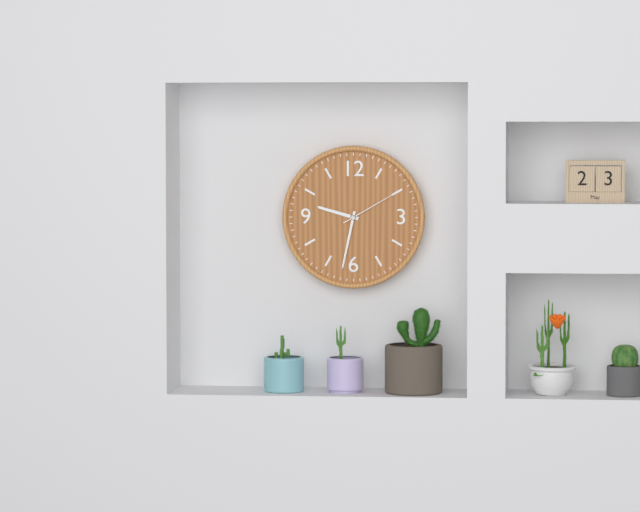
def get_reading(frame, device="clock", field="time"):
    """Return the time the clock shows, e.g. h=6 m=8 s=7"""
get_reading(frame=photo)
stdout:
h=9 m=32 s=10
